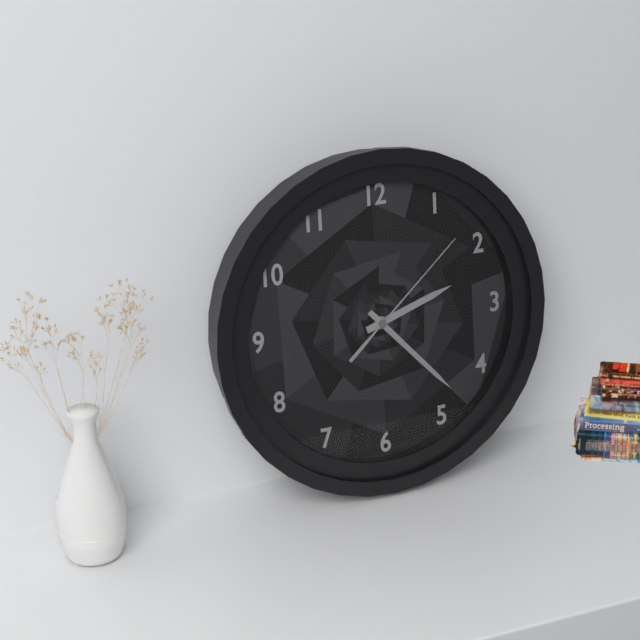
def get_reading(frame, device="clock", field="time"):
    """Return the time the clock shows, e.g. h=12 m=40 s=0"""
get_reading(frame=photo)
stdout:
h=2 m=23 s=8
